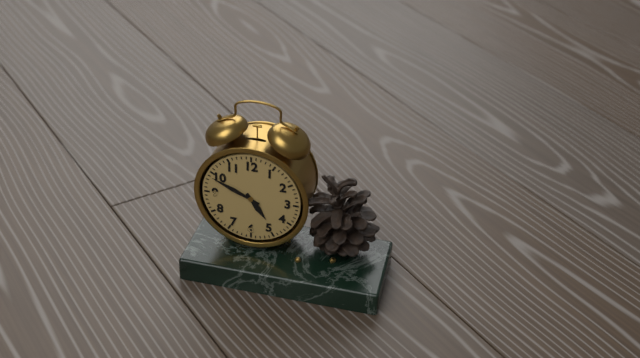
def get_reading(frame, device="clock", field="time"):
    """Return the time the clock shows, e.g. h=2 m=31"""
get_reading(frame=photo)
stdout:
h=4 m=49
